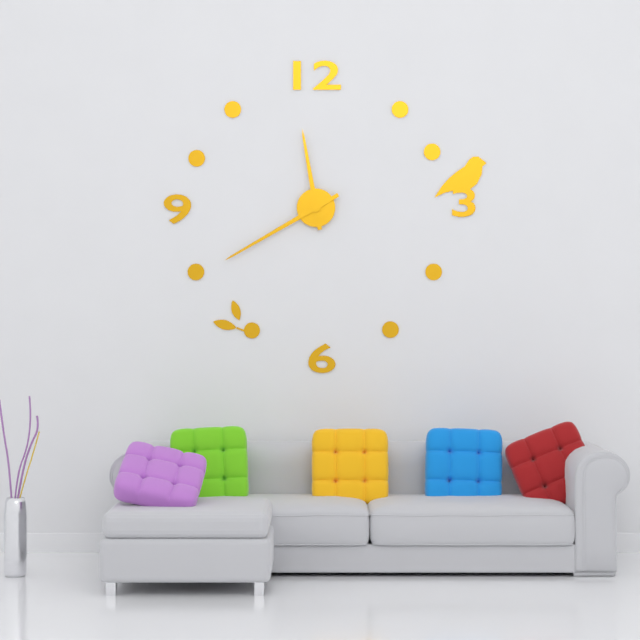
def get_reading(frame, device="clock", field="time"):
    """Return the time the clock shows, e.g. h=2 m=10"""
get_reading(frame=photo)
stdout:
h=11 m=40
